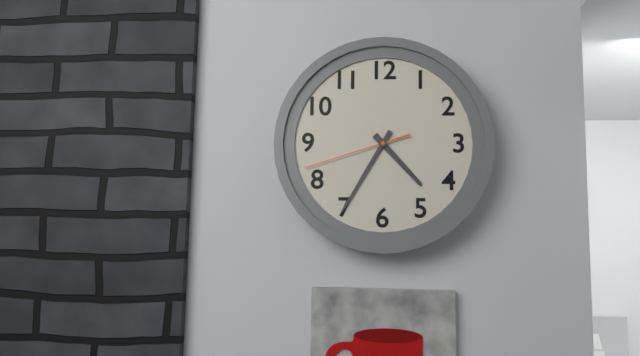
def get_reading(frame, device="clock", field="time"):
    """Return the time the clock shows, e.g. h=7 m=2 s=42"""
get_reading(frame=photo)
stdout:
h=4 m=35 s=42
